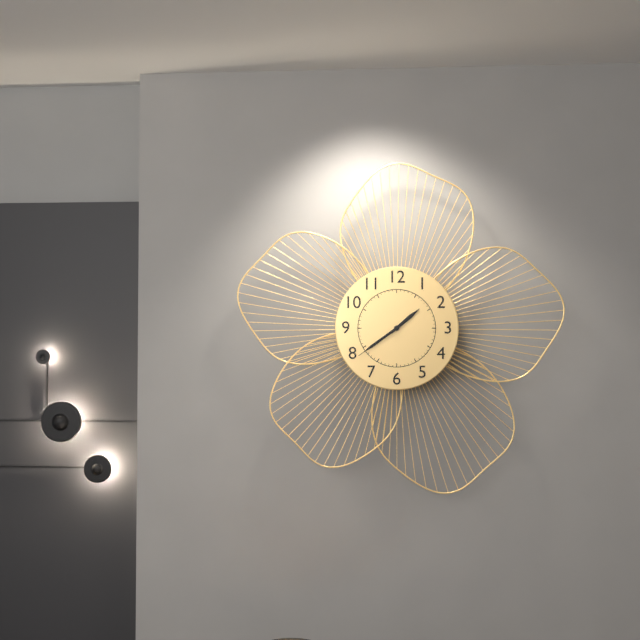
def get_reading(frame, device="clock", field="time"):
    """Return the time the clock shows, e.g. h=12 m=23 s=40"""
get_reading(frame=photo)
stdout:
h=1 m=39 s=39
